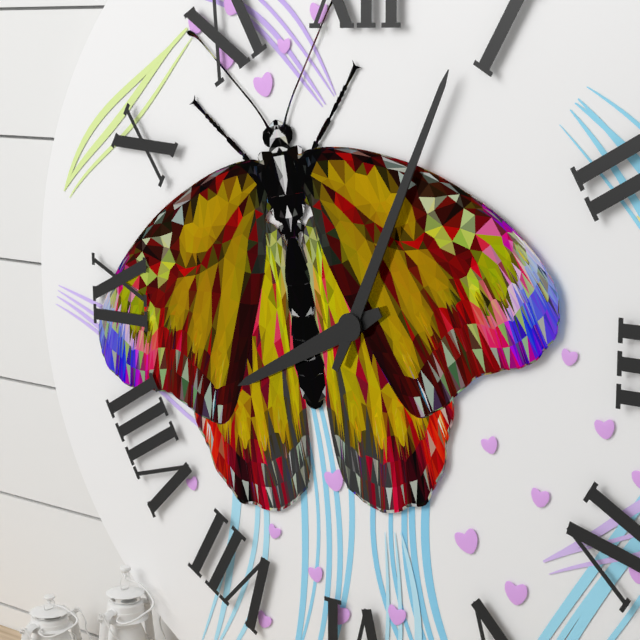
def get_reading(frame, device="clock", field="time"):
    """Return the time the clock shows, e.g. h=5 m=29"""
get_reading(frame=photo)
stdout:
h=8 m=4
